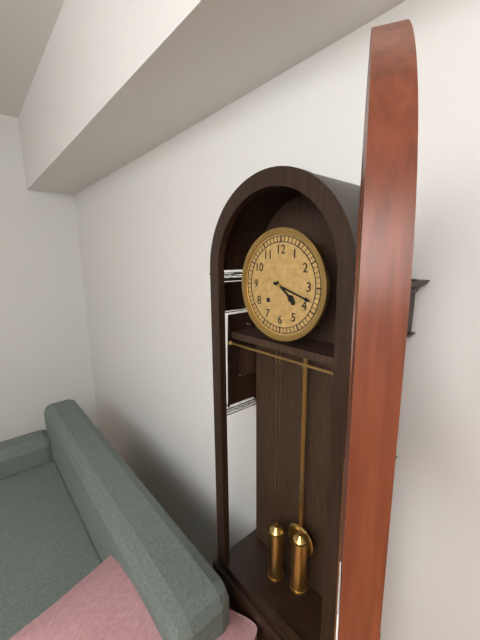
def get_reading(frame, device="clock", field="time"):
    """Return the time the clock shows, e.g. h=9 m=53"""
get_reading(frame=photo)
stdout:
h=4 m=18
